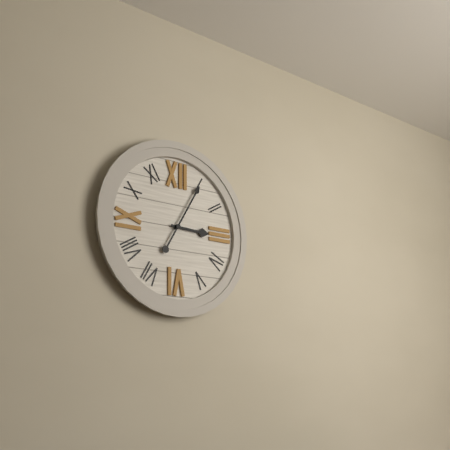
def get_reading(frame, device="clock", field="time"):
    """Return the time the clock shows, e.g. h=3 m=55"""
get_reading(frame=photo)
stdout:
h=3 m=5
